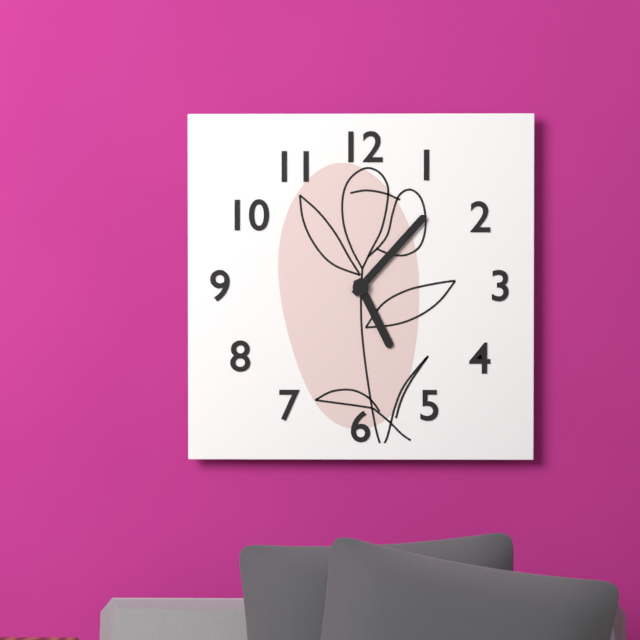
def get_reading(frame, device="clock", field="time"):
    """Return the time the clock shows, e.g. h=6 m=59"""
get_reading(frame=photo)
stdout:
h=5 m=7
